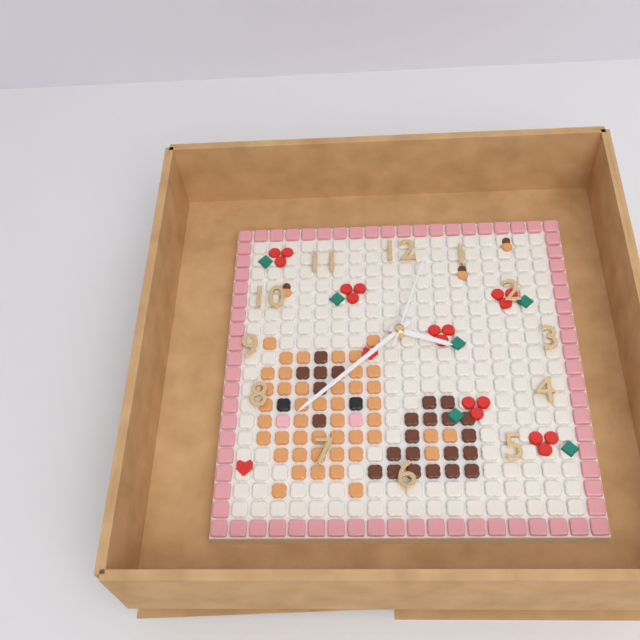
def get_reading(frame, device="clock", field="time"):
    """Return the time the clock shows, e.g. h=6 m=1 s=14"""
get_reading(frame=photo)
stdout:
h=3 m=38 s=3
